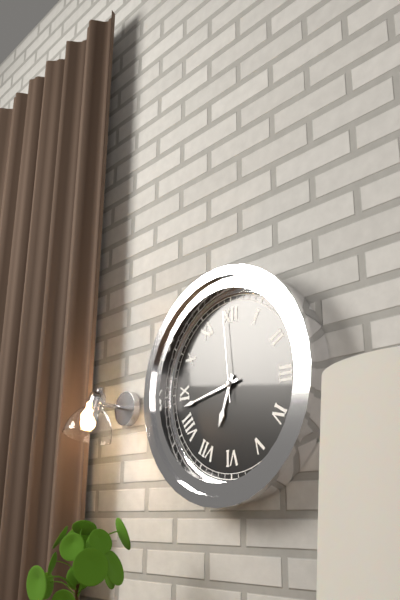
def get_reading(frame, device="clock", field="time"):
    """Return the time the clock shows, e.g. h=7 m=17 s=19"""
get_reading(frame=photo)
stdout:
h=6 m=43 s=59
